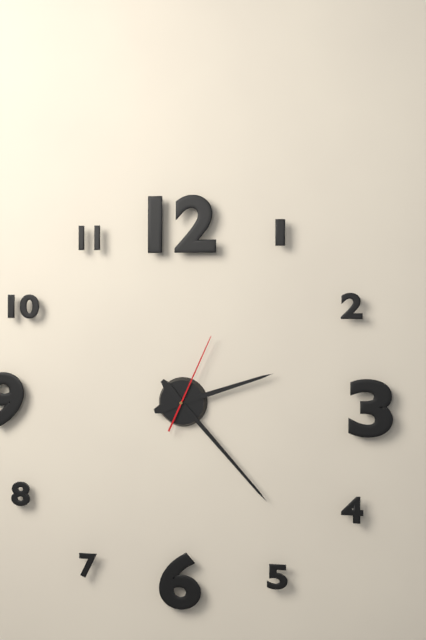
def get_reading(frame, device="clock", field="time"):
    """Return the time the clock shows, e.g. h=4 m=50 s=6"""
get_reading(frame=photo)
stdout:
h=2 m=23 s=4
